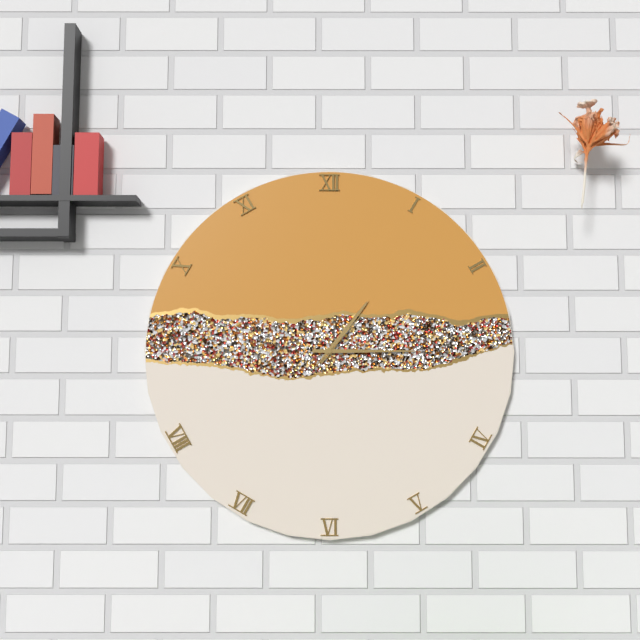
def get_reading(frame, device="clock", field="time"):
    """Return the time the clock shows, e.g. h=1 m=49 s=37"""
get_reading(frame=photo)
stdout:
h=1 m=15 s=7
